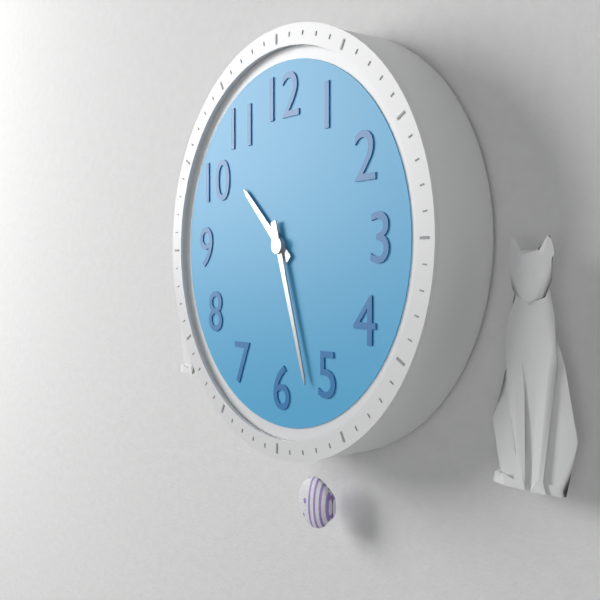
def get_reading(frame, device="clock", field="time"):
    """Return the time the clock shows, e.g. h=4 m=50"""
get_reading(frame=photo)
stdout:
h=10 m=27
